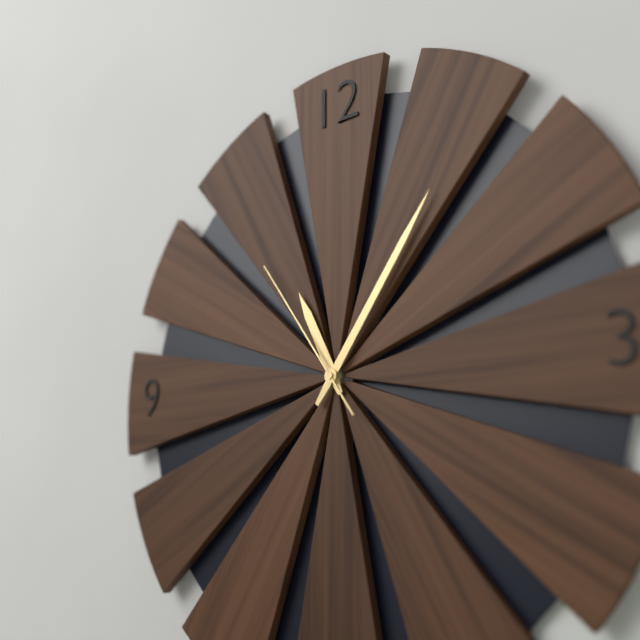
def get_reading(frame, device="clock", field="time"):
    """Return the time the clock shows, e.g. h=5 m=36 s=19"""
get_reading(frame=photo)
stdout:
h=11 m=6 s=54
